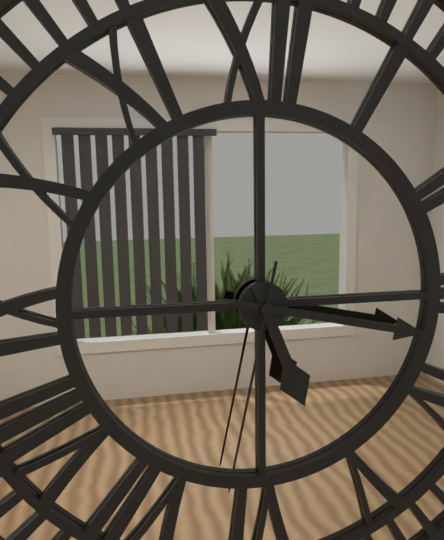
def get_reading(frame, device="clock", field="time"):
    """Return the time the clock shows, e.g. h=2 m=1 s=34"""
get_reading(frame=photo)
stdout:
h=5 m=17 s=32
